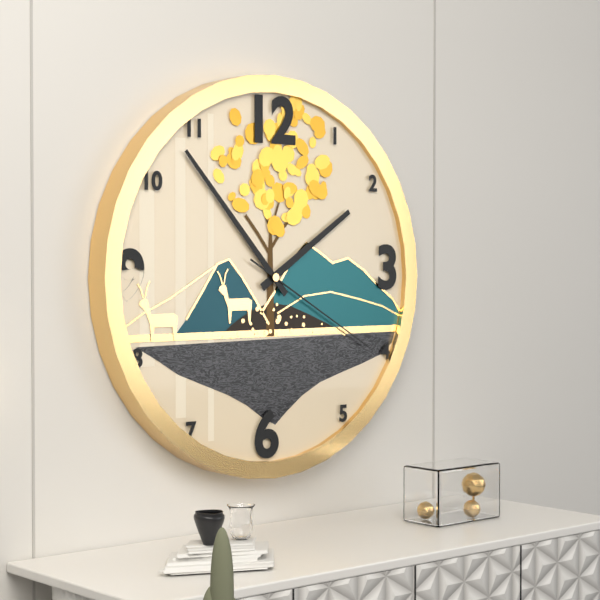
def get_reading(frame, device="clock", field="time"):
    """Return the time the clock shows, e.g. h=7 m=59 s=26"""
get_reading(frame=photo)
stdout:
h=1 m=53 s=20
